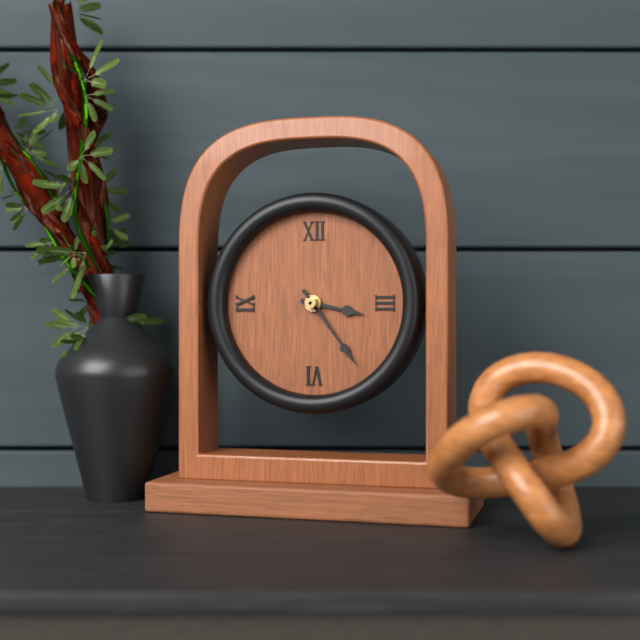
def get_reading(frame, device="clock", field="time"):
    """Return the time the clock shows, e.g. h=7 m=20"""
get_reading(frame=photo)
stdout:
h=3 m=24
